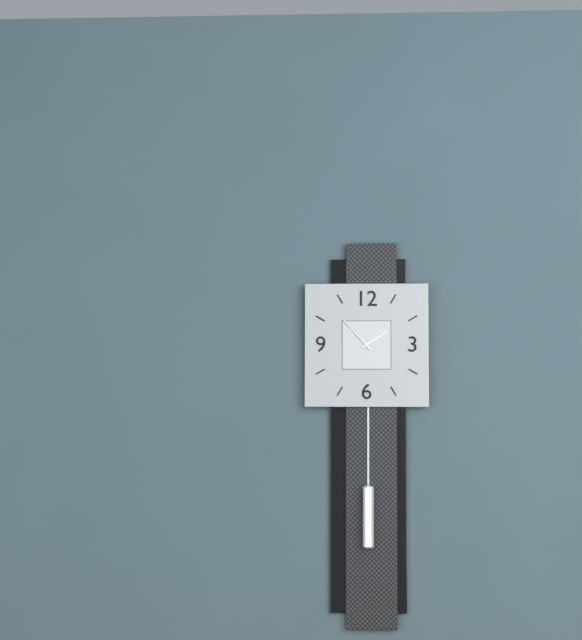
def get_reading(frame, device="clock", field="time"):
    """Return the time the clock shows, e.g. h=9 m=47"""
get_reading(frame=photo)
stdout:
h=1 m=53
